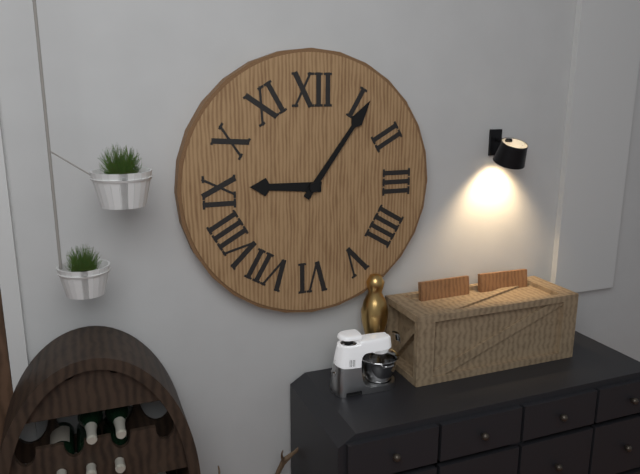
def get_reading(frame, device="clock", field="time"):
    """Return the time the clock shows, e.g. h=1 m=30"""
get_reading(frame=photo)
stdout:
h=9 m=6
